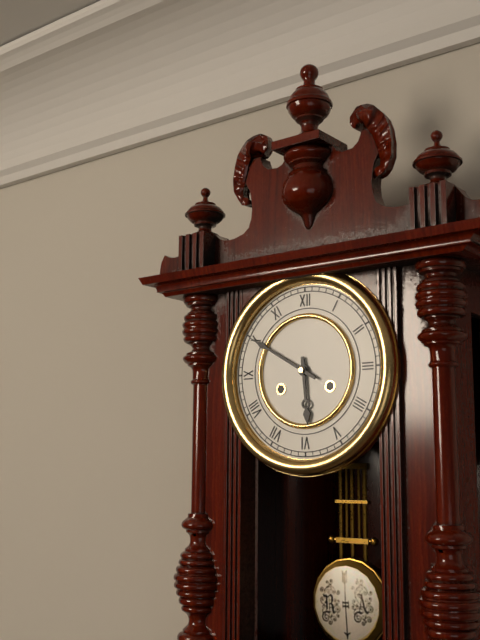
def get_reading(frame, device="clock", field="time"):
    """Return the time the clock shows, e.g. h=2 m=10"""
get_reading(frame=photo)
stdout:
h=5 m=50
